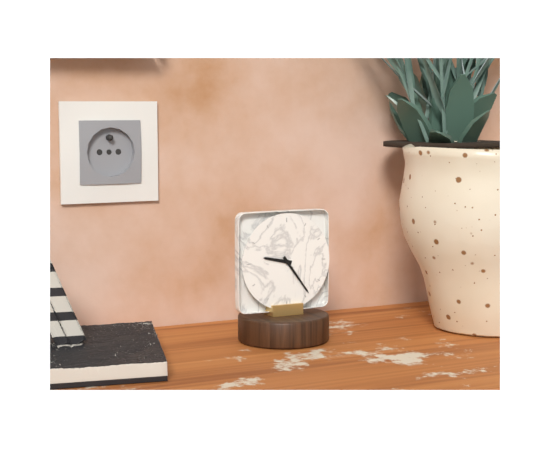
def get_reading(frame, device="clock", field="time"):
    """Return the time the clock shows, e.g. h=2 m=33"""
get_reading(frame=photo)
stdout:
h=9 m=24
